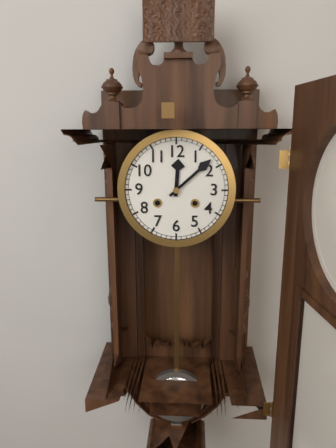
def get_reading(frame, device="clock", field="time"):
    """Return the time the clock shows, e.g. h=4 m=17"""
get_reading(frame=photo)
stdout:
h=12 m=8
